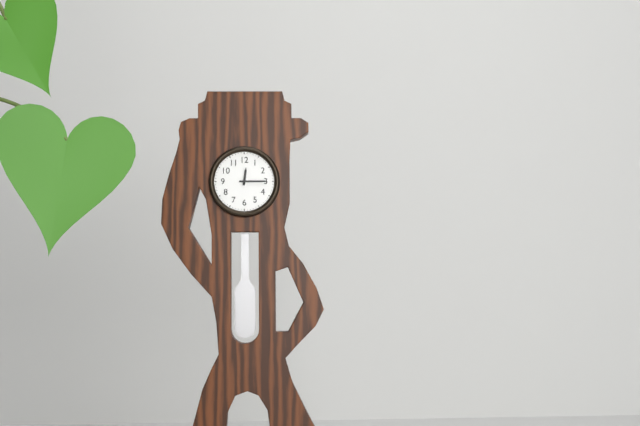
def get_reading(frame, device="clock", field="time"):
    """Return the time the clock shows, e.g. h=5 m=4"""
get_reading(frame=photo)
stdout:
h=12 m=15
